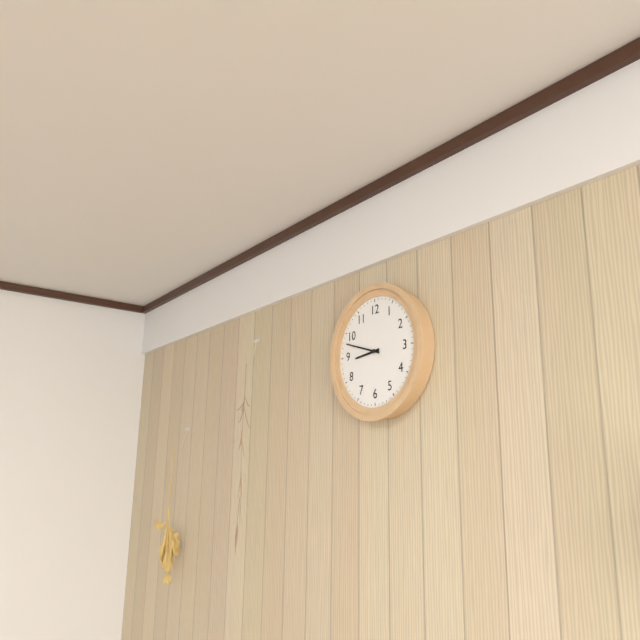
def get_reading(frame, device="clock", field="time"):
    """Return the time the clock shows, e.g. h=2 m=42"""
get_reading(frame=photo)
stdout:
h=8 m=48
